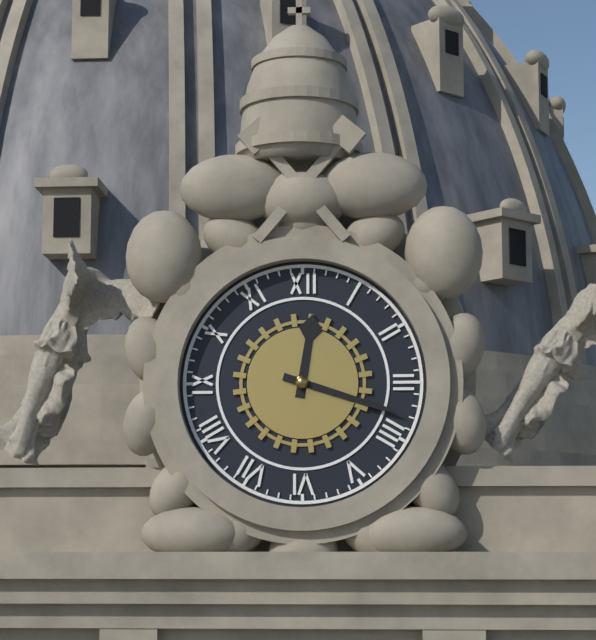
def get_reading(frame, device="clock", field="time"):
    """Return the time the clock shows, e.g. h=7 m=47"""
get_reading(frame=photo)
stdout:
h=12 m=18
